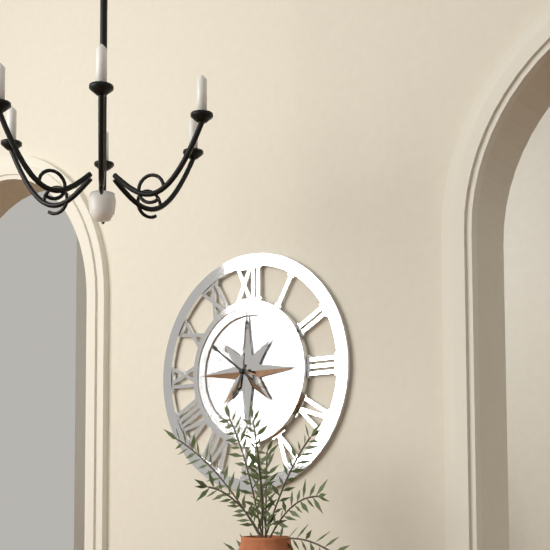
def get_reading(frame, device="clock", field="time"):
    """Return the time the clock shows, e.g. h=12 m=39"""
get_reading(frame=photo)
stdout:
h=6 m=51
